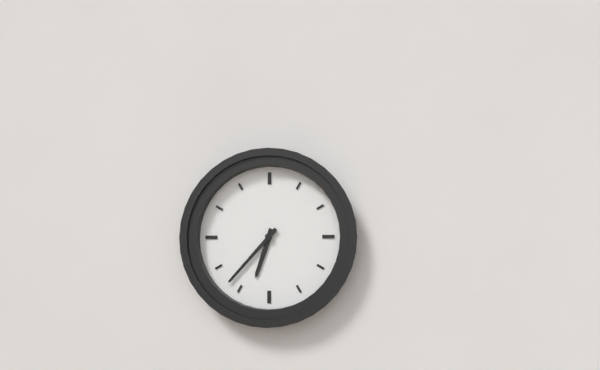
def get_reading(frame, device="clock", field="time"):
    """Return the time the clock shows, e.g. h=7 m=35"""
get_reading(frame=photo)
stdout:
h=6 m=37
